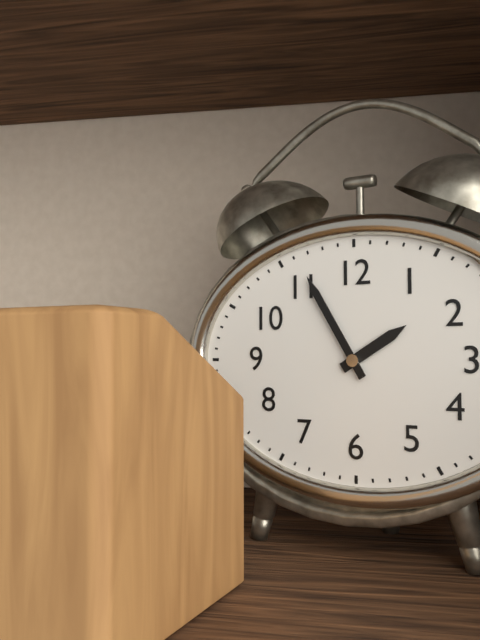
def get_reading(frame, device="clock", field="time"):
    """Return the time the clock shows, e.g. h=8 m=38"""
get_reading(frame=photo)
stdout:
h=1 m=55
